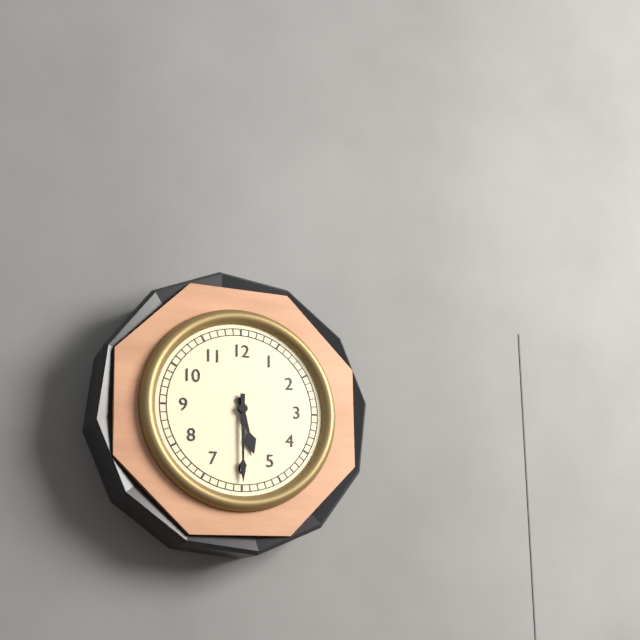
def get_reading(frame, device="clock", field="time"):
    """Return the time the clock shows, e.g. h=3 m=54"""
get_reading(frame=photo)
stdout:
h=5 m=30
